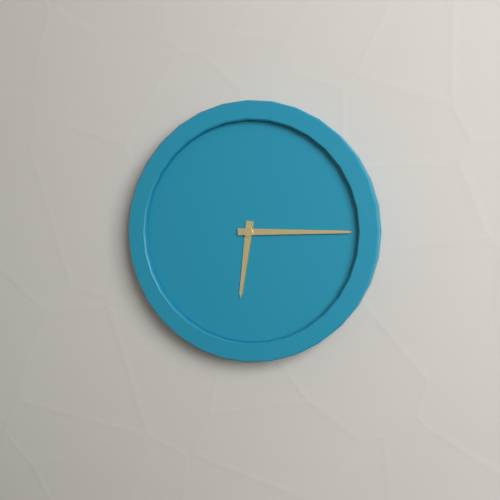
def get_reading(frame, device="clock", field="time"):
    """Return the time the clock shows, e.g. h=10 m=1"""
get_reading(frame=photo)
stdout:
h=6 m=15
